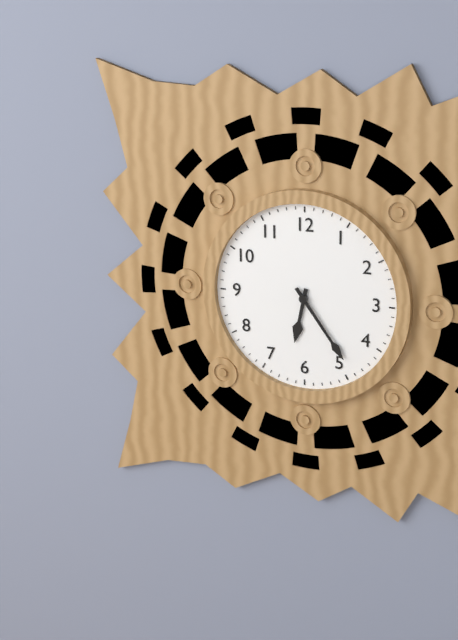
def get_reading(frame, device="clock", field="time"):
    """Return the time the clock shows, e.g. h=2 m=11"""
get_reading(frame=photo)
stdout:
h=6 m=24
